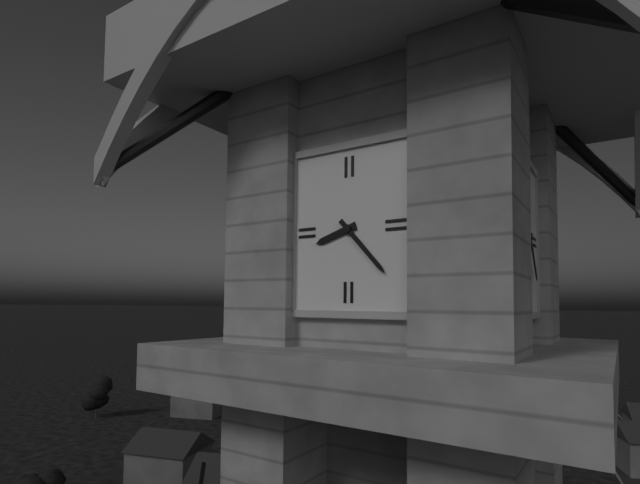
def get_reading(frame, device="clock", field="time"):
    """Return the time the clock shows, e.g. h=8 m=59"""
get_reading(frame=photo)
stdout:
h=8 m=23
